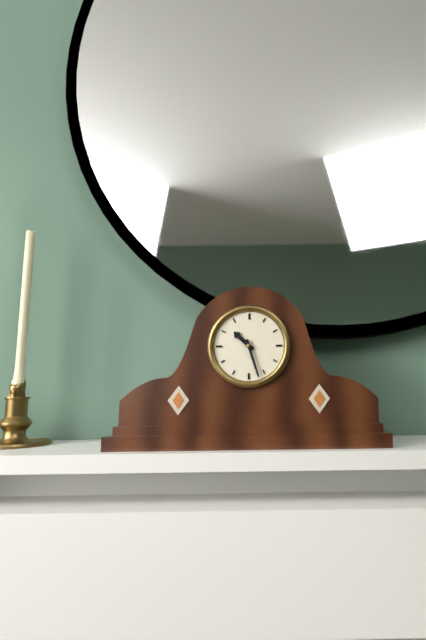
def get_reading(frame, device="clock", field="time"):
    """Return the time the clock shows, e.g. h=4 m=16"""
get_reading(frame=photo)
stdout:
h=10 m=27
